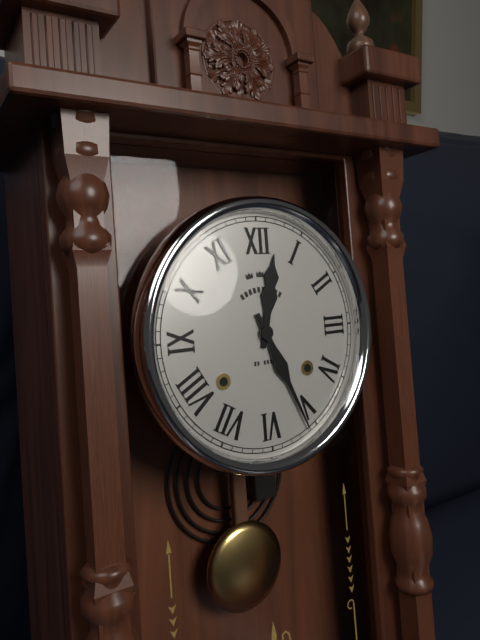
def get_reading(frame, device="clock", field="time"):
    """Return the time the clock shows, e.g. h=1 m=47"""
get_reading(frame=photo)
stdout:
h=12 m=26
